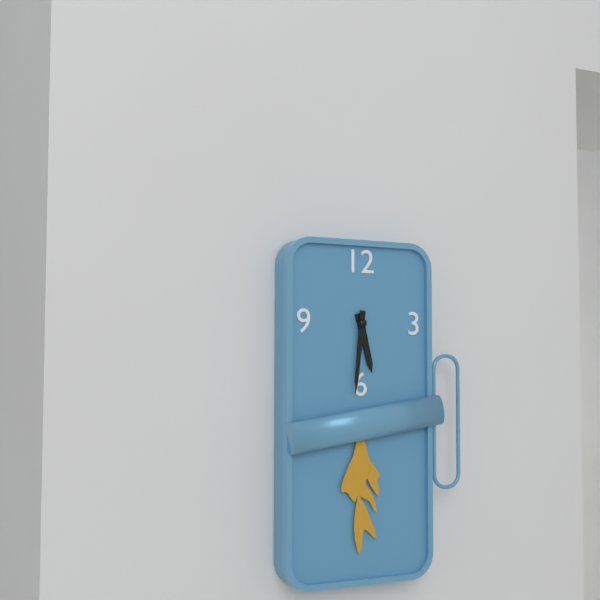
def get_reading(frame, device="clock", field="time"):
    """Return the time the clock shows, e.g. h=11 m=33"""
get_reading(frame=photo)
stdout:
h=5 m=31
